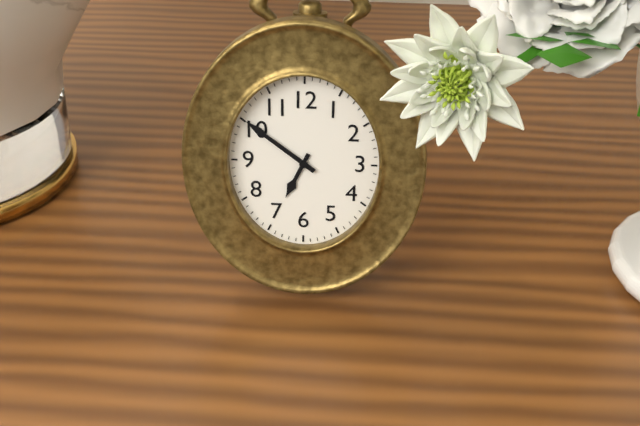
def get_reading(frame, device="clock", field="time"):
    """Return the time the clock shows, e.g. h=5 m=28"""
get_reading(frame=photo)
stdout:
h=6 m=51
